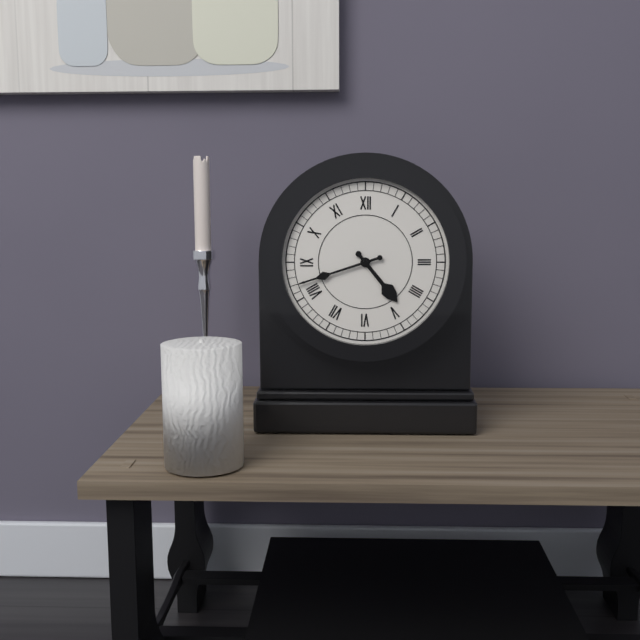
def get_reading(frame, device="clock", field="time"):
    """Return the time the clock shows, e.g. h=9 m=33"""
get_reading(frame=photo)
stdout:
h=4 m=42
